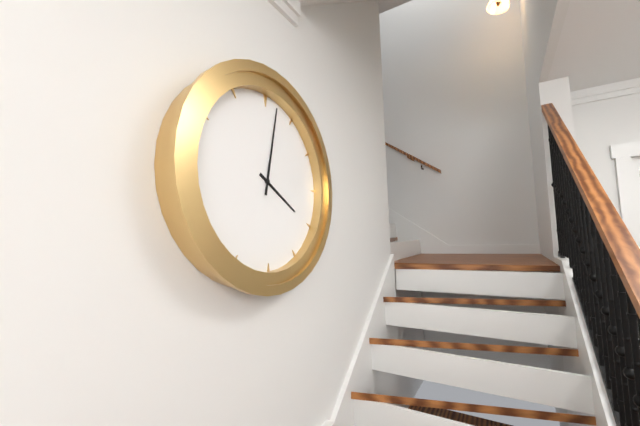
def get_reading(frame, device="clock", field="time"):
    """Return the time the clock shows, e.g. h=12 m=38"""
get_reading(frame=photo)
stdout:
h=4 m=2
